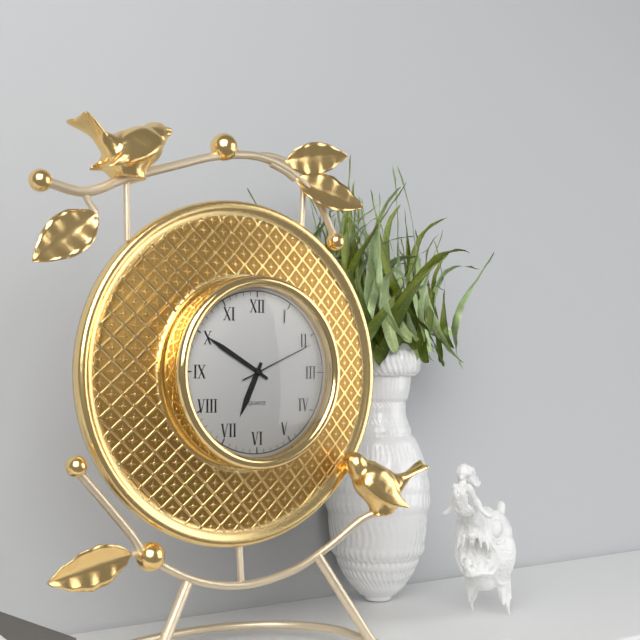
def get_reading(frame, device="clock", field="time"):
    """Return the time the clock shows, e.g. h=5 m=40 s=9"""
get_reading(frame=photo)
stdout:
h=6 m=50 s=11
